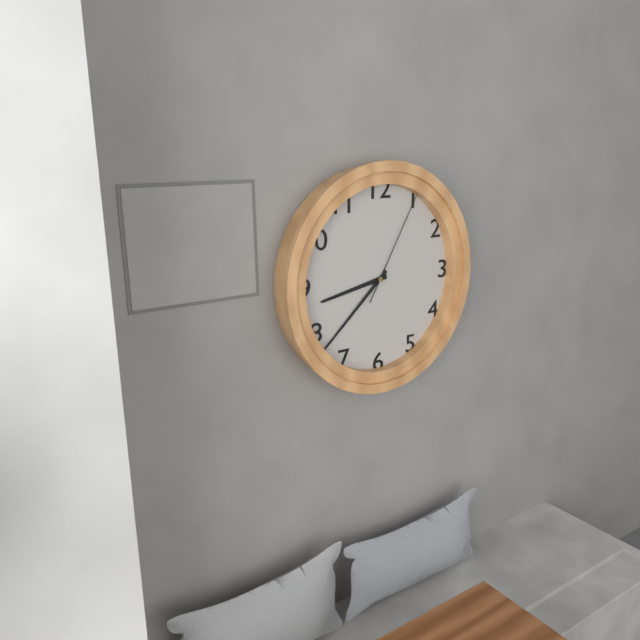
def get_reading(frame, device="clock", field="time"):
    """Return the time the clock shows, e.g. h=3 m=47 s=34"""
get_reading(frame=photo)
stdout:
h=8 m=38 s=5
